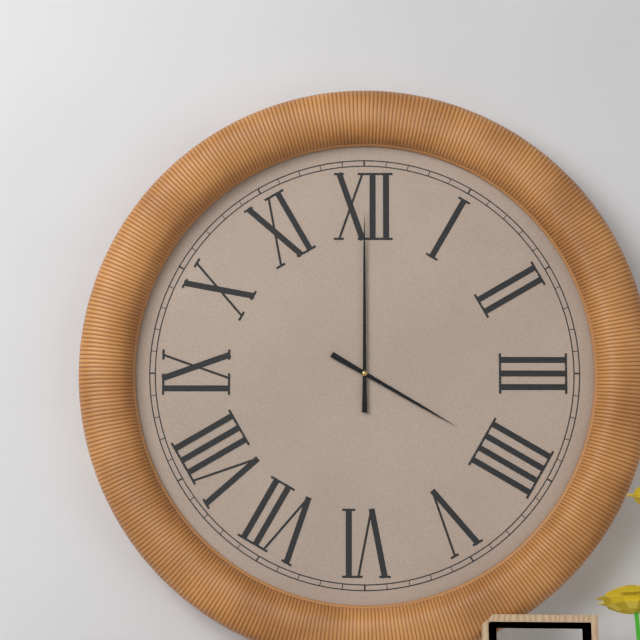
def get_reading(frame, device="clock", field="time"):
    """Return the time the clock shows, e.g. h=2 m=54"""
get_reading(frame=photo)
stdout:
h=4 m=0
